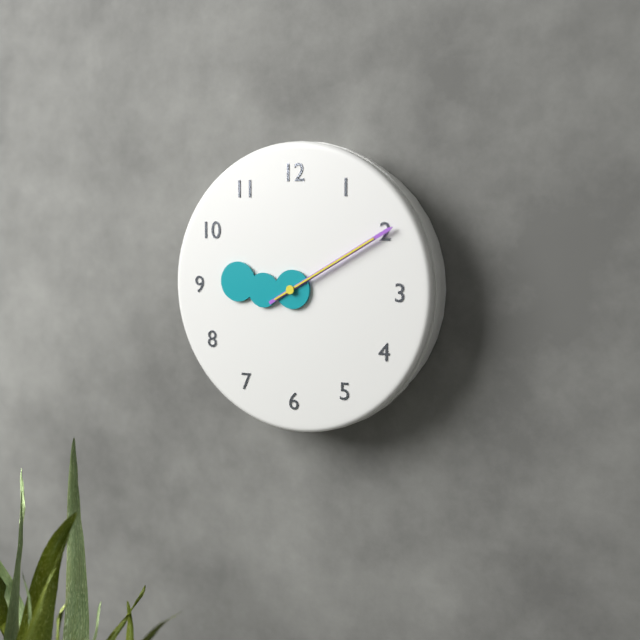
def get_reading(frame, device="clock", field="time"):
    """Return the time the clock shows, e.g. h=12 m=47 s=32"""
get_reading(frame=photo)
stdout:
h=9 m=10 s=10
